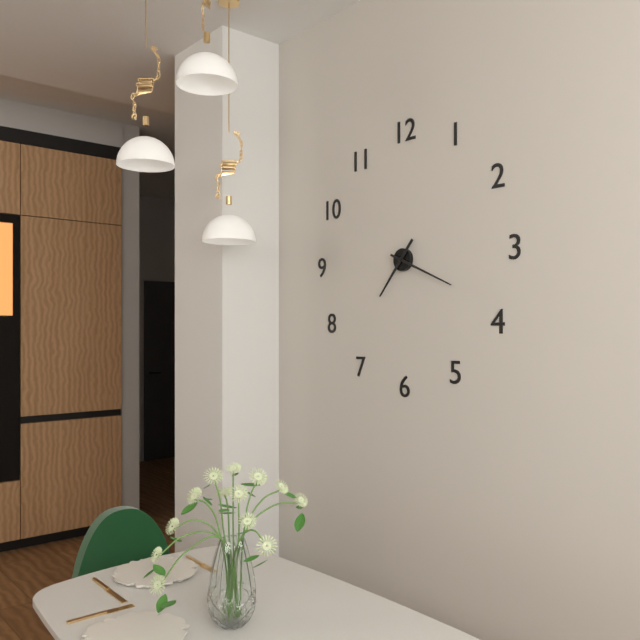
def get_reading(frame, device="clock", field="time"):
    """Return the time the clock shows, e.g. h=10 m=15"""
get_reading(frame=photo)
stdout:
h=7 m=19
